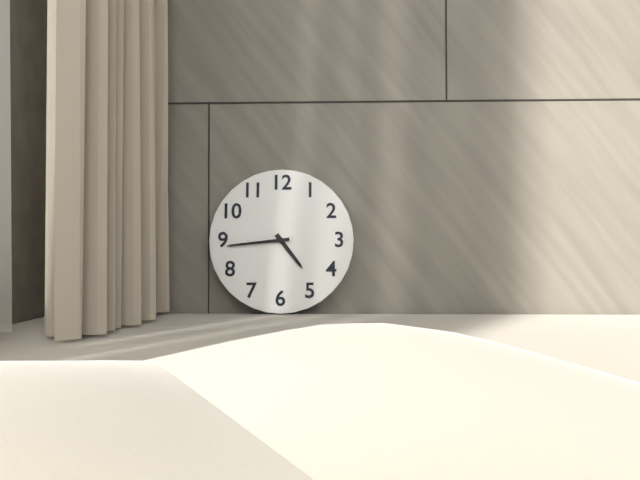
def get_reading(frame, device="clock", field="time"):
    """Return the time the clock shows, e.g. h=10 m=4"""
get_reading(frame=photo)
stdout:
h=4 m=44
